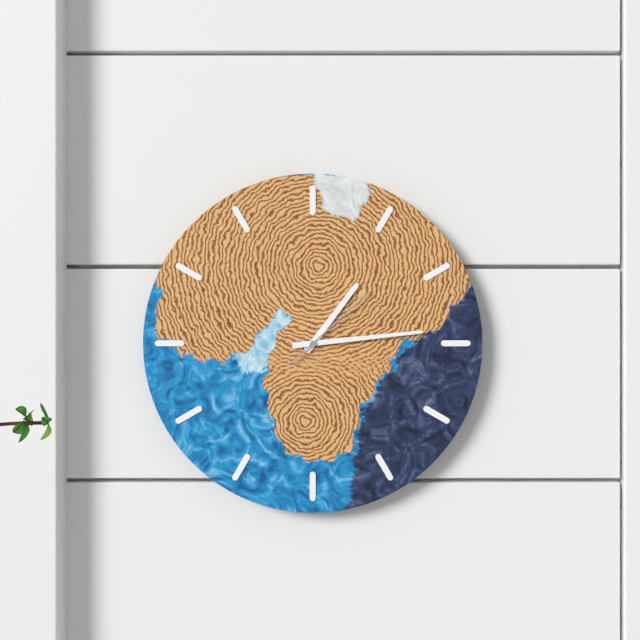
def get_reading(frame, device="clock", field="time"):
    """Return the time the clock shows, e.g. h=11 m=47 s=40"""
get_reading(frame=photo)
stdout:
h=1 m=14 s=8
